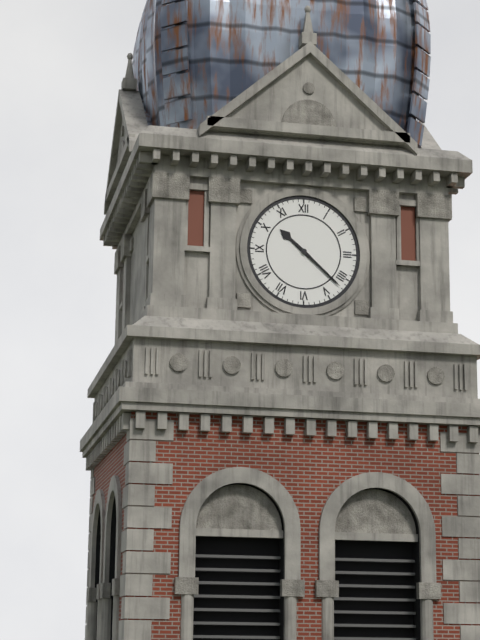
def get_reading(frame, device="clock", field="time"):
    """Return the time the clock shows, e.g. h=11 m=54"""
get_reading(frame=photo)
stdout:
h=10 m=22
